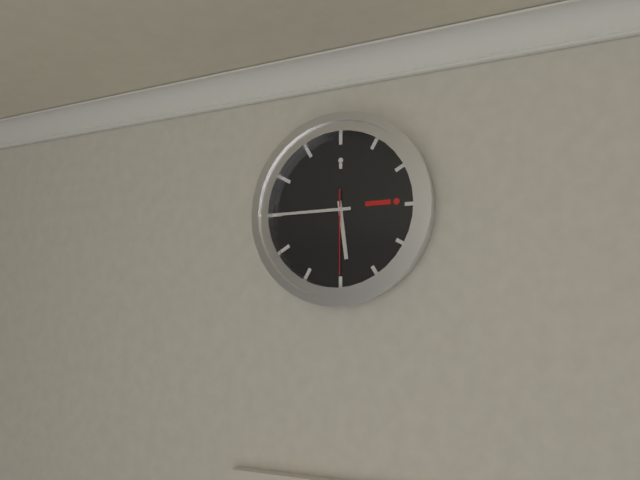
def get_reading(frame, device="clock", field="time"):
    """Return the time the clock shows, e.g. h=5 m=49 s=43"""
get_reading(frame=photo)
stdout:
h=5 m=45 s=30
